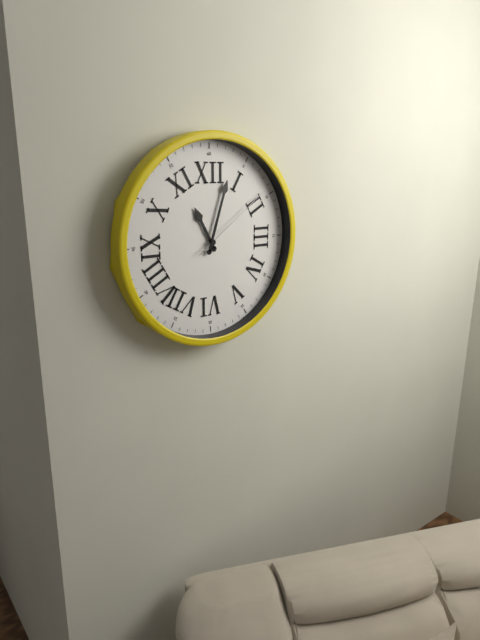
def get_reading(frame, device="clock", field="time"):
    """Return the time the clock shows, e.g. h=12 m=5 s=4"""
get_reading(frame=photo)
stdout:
h=11 m=3 s=9
